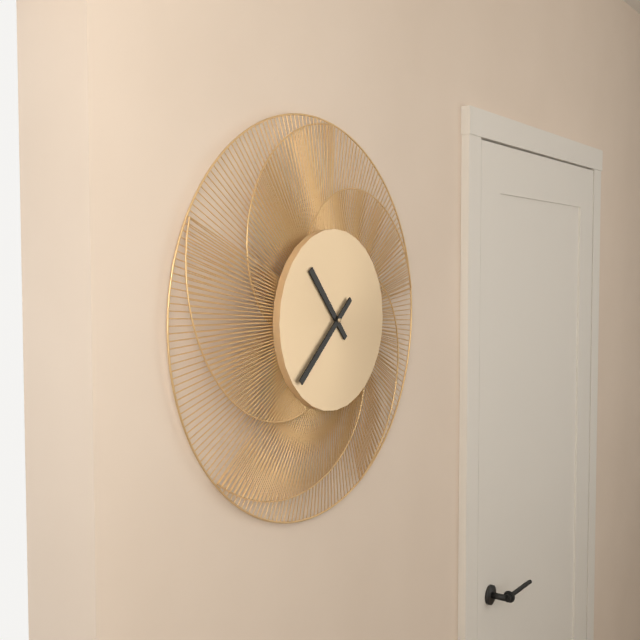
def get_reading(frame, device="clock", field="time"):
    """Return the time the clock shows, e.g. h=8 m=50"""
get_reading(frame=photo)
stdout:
h=10 m=38
